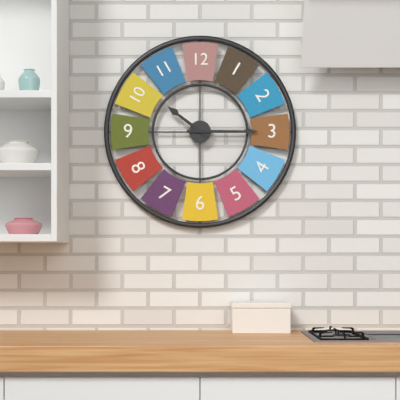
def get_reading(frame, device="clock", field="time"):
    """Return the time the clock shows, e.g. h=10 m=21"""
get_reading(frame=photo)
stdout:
h=10 m=15
